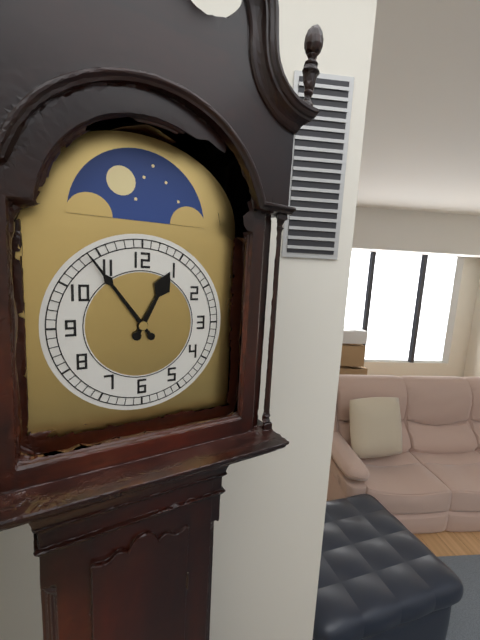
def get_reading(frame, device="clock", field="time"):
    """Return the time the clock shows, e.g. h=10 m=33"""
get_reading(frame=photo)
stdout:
h=12 m=54
